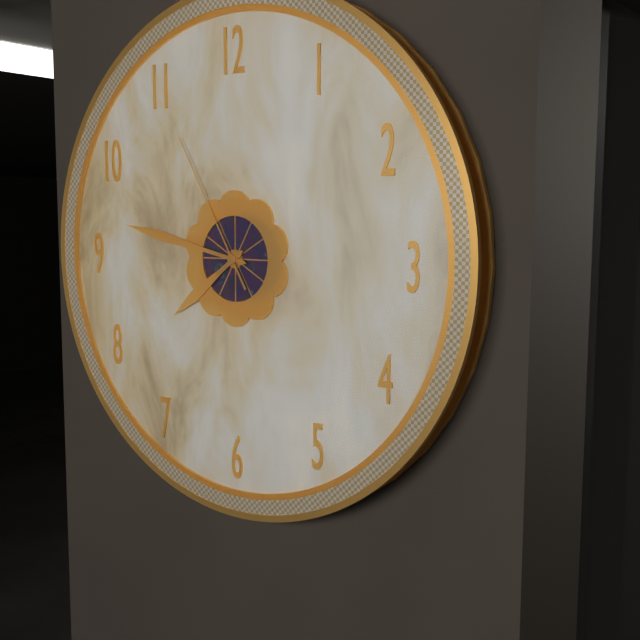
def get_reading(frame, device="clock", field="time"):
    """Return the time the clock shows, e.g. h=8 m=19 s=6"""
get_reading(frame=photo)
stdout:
h=7 m=47 s=55
